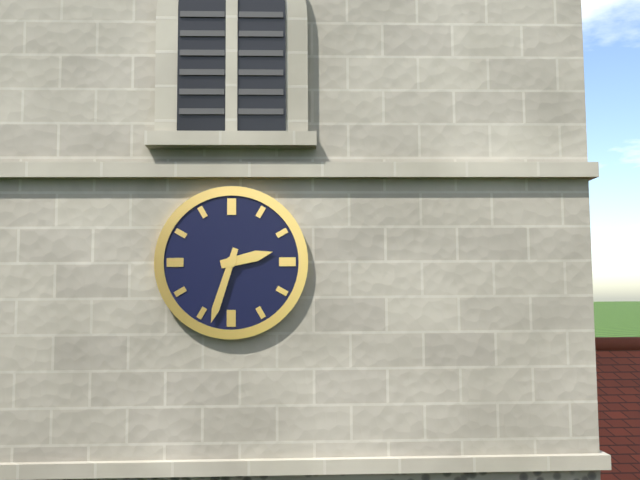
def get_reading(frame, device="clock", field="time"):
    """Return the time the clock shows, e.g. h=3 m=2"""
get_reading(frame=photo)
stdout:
h=2 m=33
